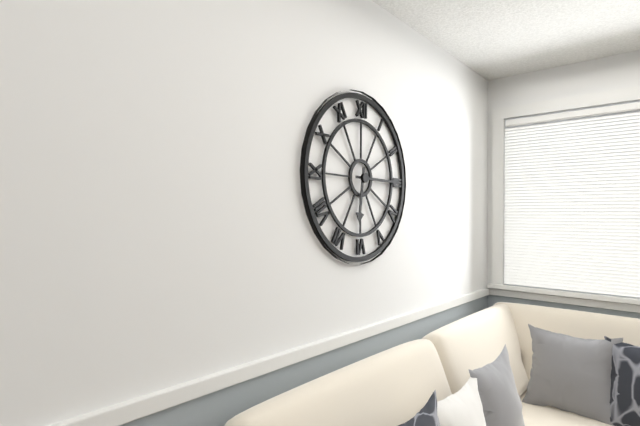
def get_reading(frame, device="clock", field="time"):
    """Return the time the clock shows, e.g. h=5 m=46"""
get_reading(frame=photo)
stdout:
h=6 m=15
